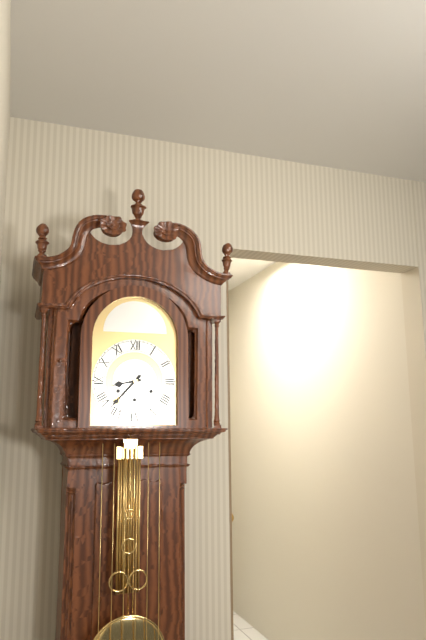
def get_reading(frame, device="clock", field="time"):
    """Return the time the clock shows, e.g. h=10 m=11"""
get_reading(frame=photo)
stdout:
h=8 m=37
